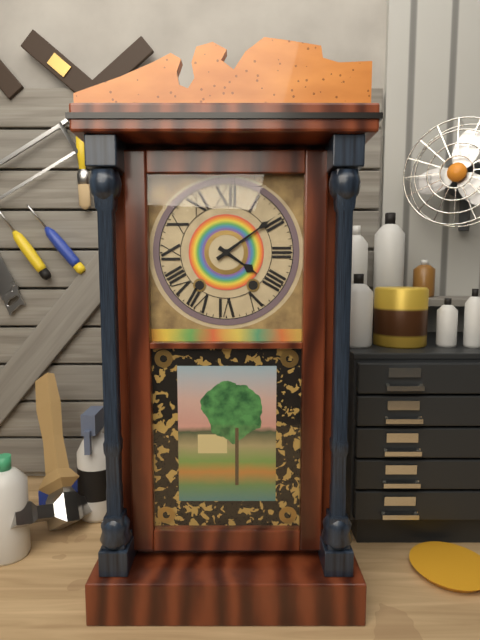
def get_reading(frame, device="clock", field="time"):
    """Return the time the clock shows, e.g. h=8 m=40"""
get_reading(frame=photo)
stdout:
h=4 m=9
